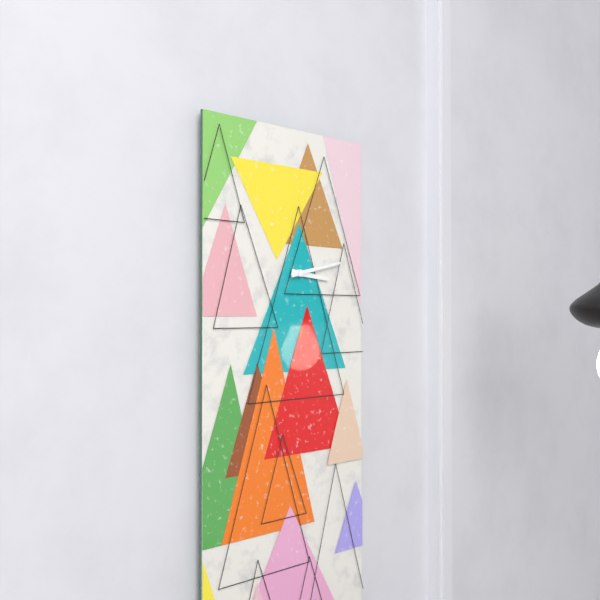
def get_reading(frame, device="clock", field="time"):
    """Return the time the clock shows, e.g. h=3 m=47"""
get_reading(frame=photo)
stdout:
h=3 m=13
